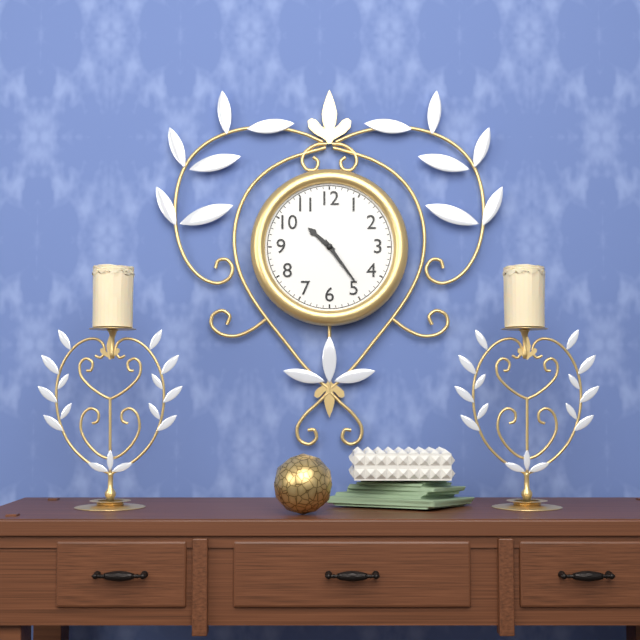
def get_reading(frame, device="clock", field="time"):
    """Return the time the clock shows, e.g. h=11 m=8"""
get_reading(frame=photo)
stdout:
h=10 m=24
